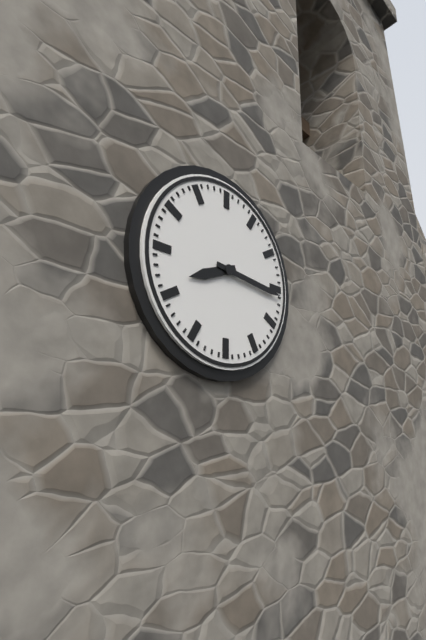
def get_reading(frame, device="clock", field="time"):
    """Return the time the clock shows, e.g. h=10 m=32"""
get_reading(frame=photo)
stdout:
h=8 m=16
